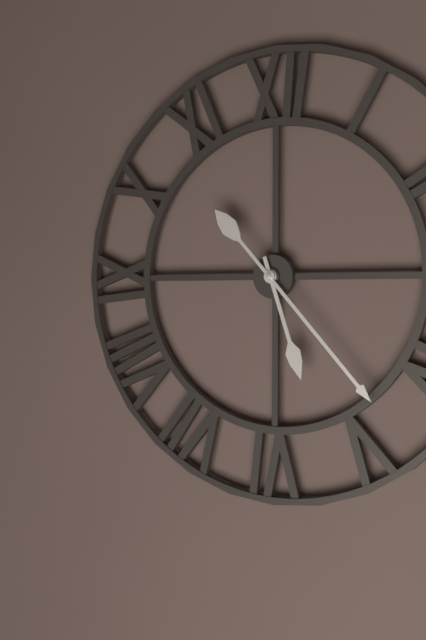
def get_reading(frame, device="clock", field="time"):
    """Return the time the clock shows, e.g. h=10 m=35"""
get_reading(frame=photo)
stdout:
h=5 m=23
